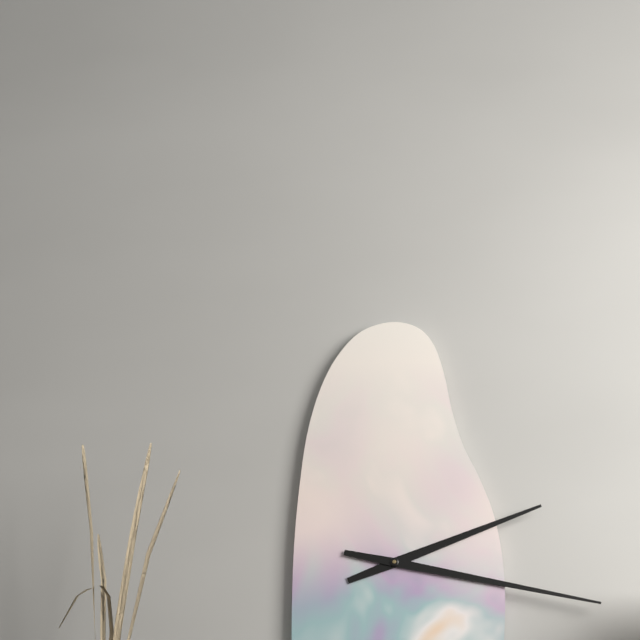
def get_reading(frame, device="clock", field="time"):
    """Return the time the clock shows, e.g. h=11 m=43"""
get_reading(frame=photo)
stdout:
h=2 m=17
